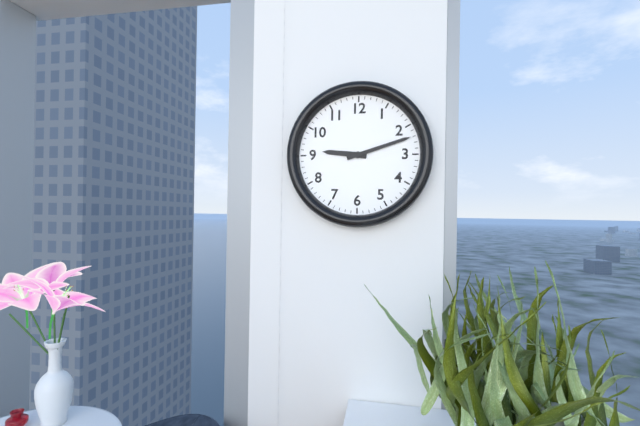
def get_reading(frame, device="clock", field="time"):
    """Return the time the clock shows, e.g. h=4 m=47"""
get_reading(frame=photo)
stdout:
h=9 m=12
